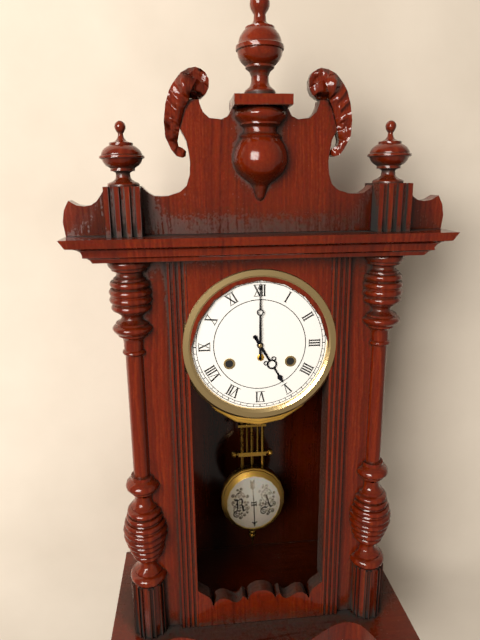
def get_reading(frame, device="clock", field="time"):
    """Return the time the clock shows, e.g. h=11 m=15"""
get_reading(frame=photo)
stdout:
h=5 m=0
